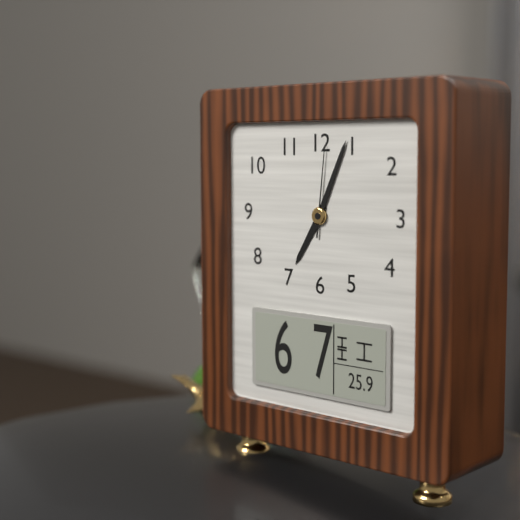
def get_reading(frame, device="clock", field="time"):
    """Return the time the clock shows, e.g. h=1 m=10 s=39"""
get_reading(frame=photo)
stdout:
h=7 m=4 s=1
